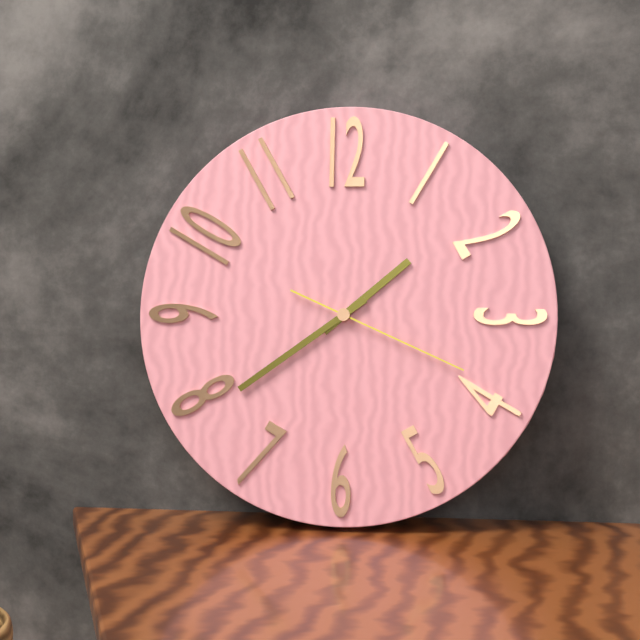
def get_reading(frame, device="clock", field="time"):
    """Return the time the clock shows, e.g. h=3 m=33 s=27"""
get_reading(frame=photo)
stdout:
h=1 m=39 s=19
